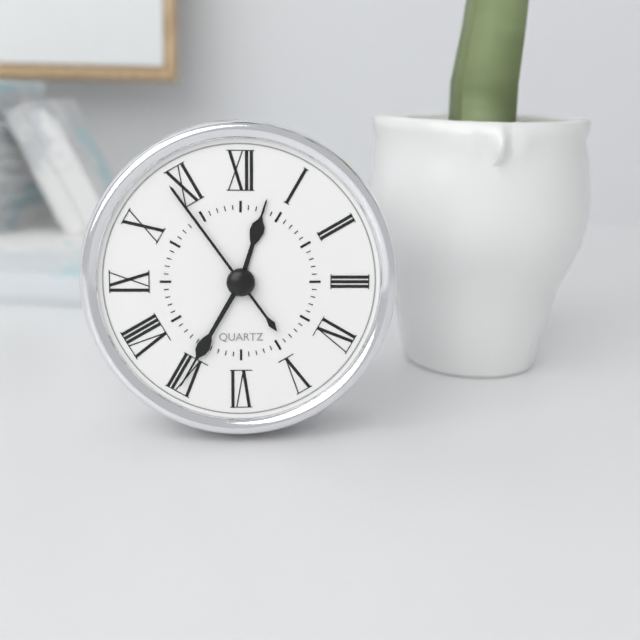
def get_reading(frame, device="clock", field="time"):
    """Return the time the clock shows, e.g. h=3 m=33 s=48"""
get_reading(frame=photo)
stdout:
h=12 m=35 s=54
